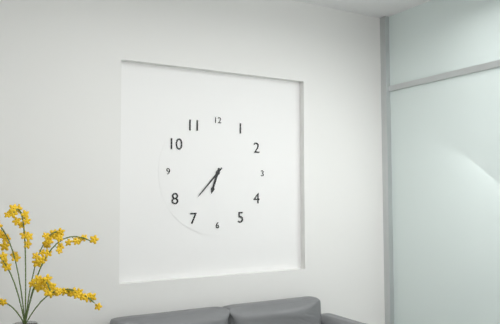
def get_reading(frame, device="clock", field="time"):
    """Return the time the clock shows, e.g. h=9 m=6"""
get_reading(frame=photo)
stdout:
h=6 m=37
